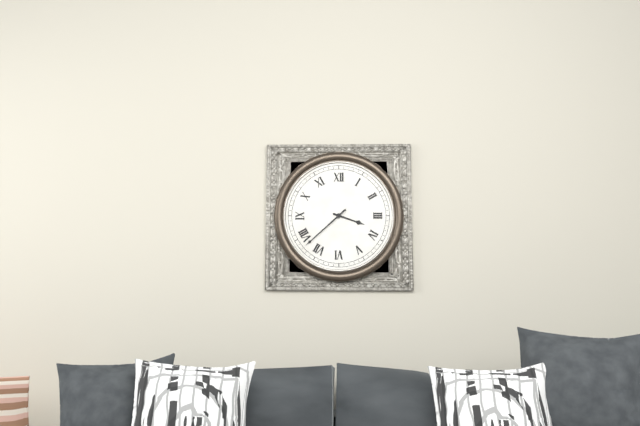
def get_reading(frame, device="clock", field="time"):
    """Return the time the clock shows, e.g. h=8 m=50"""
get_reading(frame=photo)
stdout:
h=3 m=38
